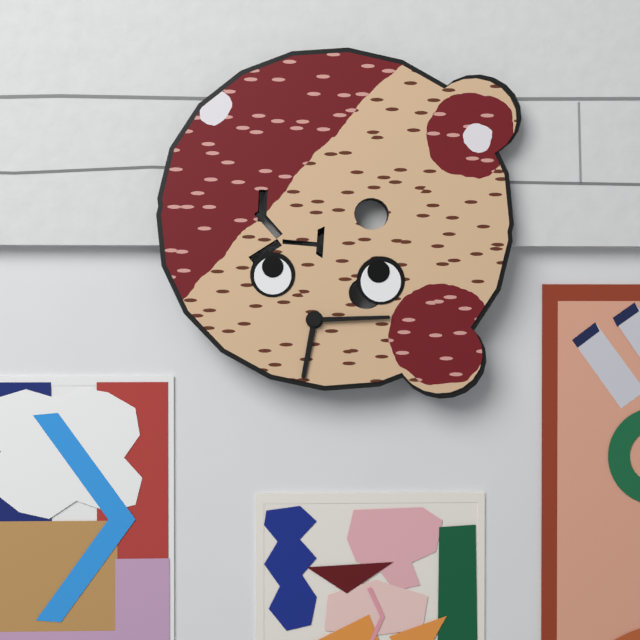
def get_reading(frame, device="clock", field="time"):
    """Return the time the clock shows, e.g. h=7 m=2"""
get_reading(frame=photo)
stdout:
h=6 m=14
